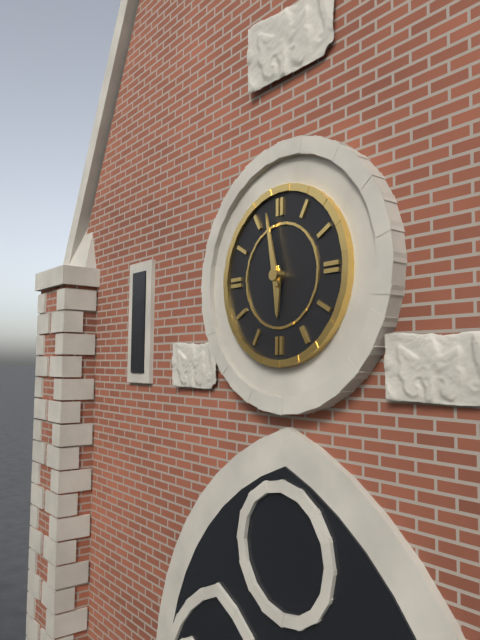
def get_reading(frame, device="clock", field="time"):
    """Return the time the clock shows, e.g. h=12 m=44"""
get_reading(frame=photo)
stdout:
h=5 m=58
